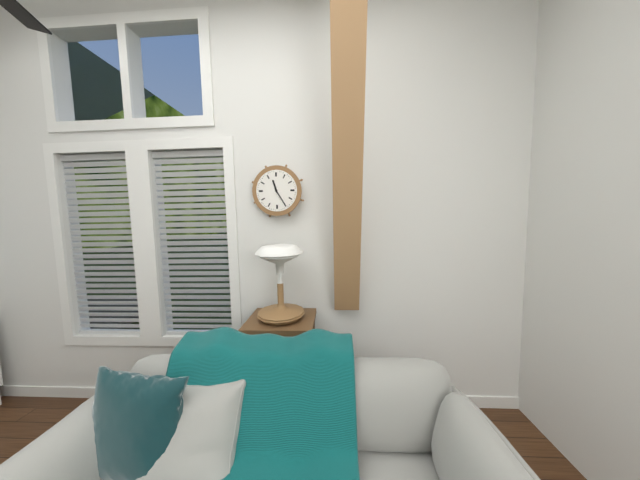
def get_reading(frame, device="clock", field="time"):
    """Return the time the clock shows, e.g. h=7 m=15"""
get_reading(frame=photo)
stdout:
h=11 m=25
